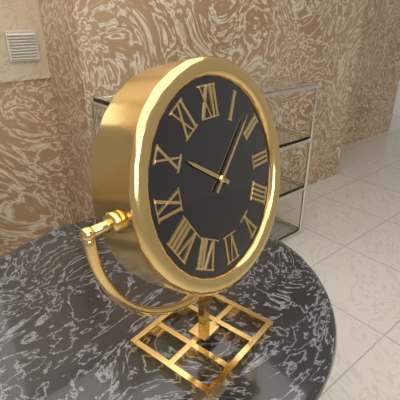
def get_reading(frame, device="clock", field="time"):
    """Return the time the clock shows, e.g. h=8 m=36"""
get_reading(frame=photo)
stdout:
h=10 m=8
